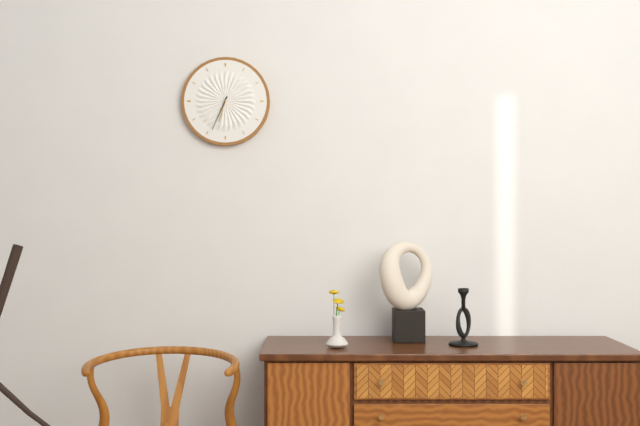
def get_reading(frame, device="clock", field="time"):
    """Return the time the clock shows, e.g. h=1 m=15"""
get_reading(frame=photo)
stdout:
h=6 m=34
